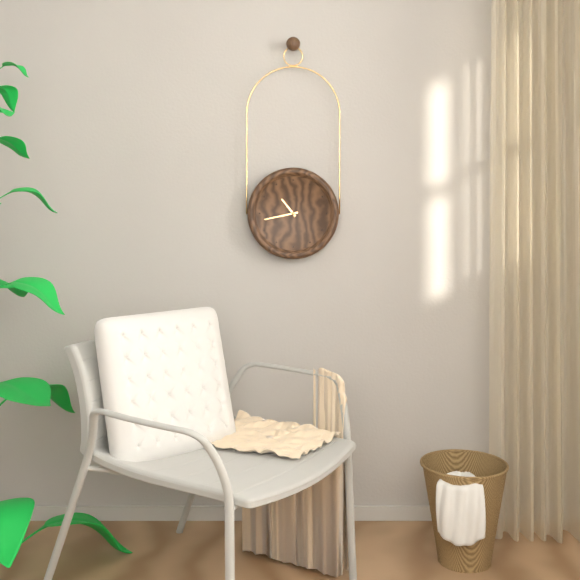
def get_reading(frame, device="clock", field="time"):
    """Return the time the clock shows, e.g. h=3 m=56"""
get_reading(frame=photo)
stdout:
h=10 m=43
